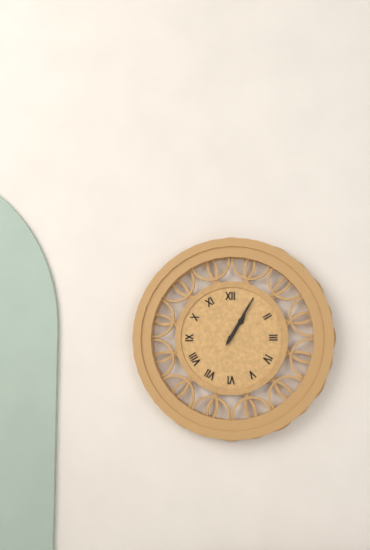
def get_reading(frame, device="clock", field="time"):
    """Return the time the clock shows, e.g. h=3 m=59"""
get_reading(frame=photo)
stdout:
h=1 m=5
